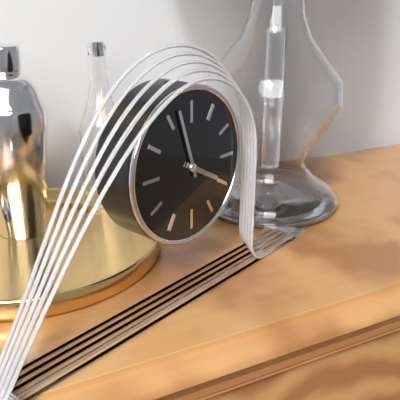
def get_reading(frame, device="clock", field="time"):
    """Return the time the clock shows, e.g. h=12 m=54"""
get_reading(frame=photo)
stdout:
h=3 m=57
